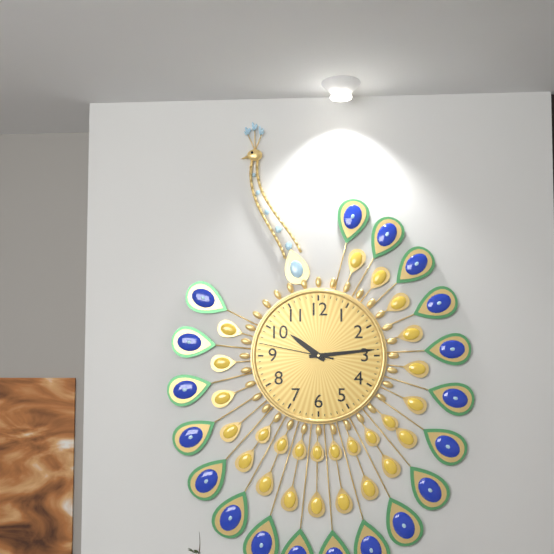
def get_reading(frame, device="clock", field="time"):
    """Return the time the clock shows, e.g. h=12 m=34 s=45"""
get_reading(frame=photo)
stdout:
h=10 m=14 s=47
